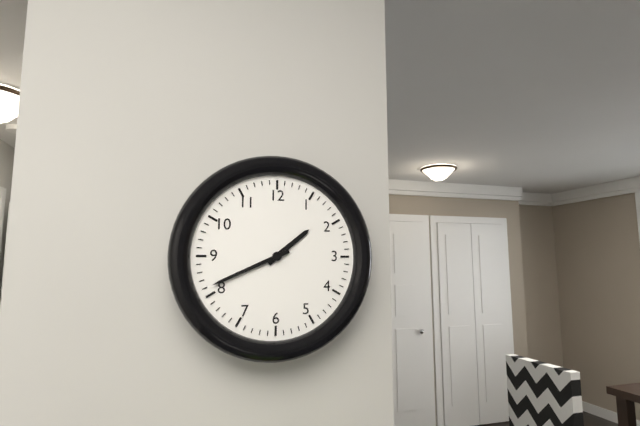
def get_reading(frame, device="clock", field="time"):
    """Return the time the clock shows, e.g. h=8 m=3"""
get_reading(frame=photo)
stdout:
h=1 m=41
